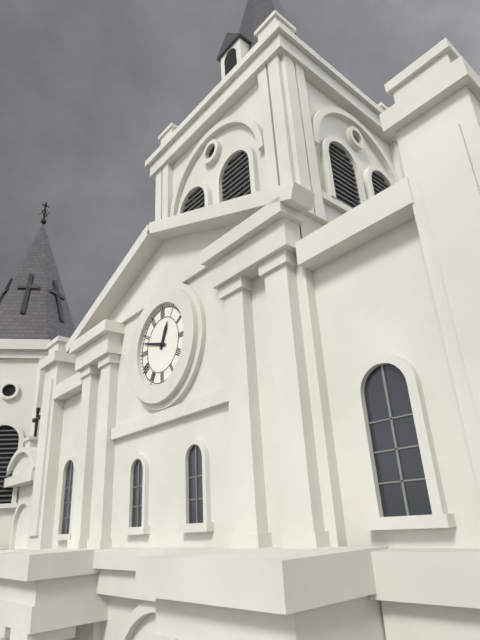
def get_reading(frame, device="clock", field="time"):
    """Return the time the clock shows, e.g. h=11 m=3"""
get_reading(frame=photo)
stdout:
h=12 m=48
